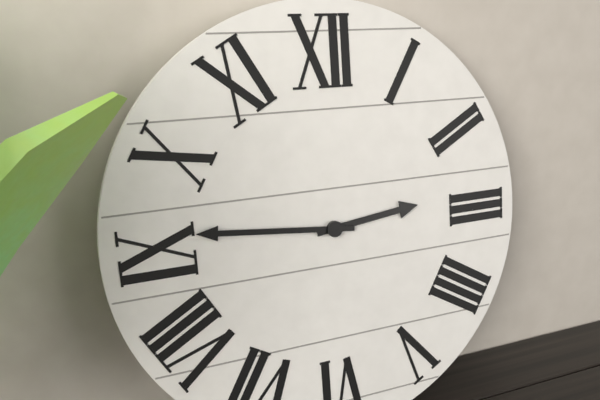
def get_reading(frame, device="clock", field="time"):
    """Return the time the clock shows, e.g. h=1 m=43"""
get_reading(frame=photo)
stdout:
h=2 m=46
